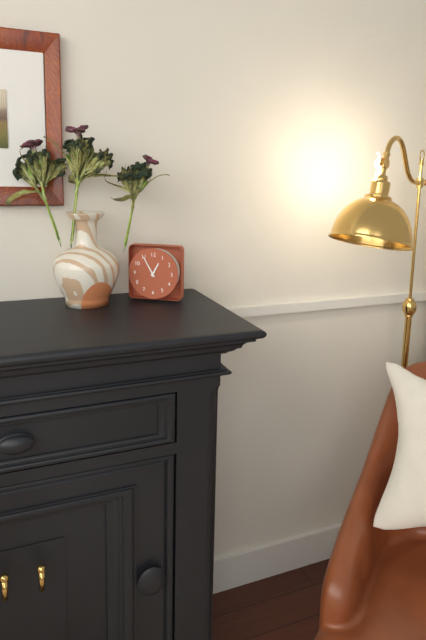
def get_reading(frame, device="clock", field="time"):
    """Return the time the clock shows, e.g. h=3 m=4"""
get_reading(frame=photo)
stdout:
h=12 m=55
